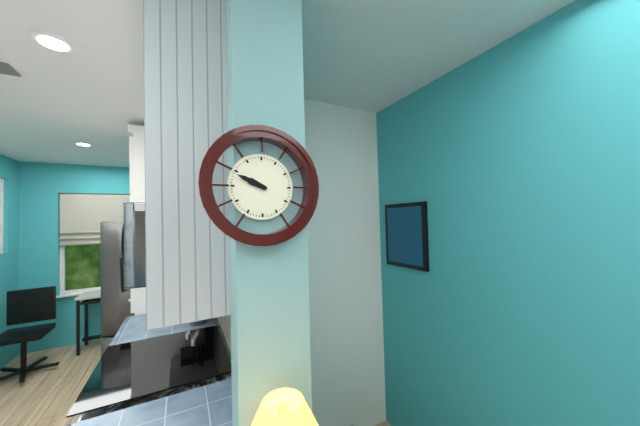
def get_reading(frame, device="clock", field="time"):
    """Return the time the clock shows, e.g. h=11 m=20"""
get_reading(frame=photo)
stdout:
h=9 m=49
